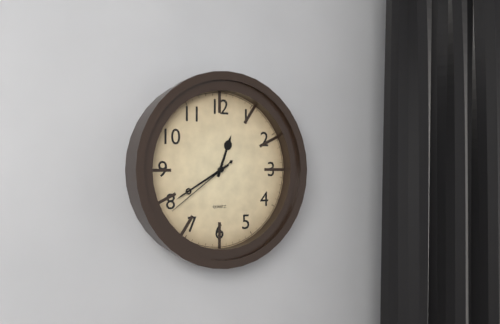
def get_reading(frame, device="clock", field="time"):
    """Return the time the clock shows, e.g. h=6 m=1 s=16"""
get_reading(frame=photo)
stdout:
h=12 m=40 s=39
